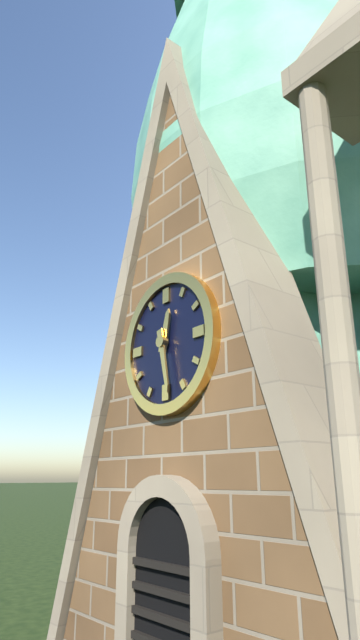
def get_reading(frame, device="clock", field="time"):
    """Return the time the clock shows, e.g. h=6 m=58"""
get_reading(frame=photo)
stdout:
h=12 m=28
